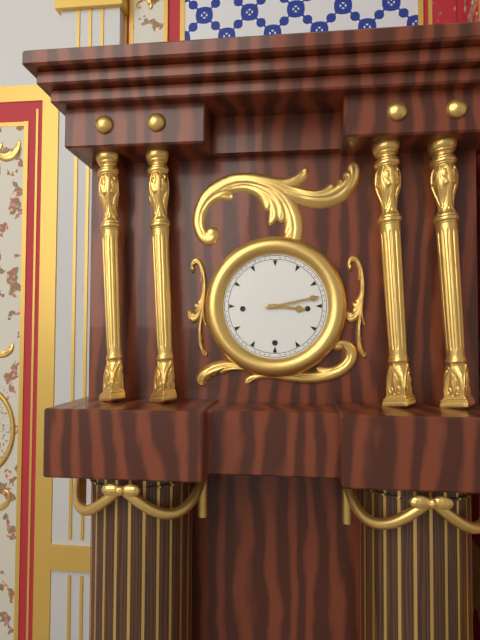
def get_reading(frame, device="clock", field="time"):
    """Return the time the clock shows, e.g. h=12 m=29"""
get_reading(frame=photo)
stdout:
h=3 m=13
